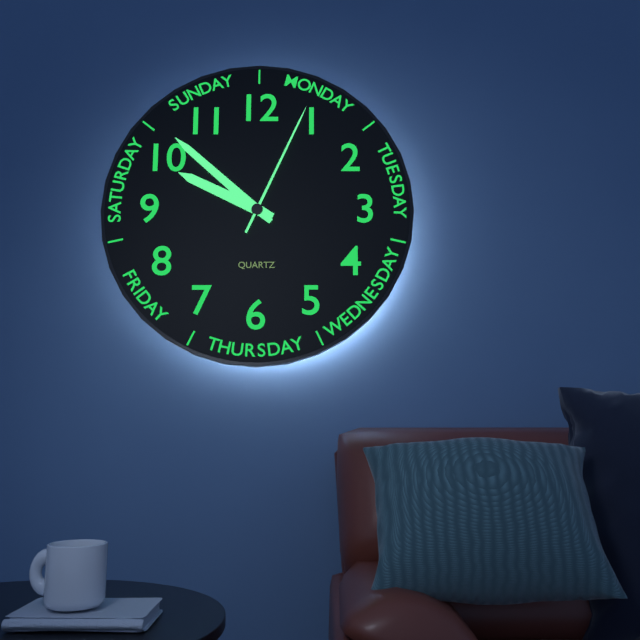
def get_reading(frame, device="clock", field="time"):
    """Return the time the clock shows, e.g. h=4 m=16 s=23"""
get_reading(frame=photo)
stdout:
h=9 m=52 s=4
